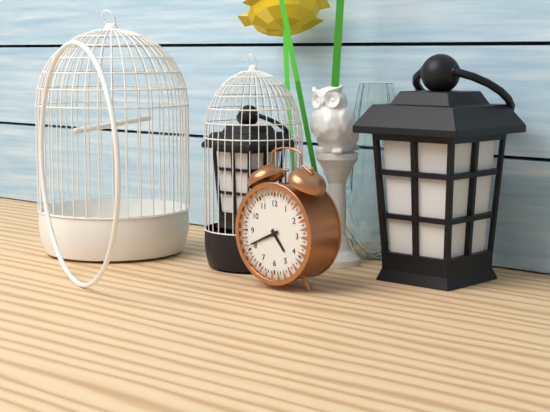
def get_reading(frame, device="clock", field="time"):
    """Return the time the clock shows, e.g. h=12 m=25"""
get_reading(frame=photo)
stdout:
h=4 m=41
